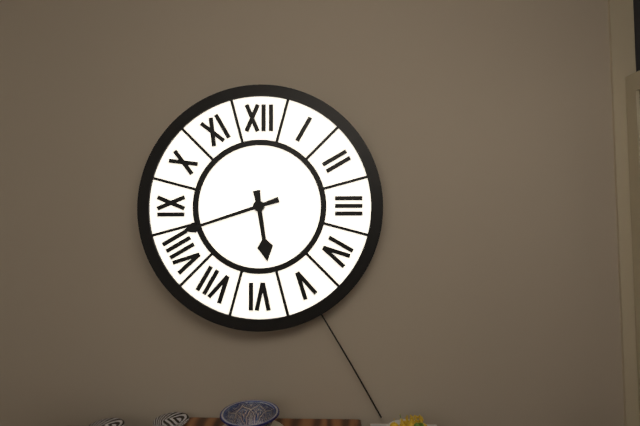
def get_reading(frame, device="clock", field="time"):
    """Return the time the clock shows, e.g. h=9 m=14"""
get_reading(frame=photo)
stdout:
h=5 m=42
